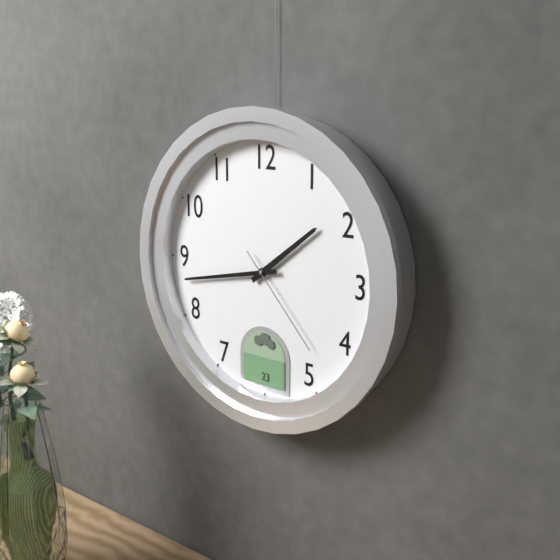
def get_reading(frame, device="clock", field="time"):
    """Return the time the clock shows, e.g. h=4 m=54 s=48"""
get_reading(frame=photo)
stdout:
h=1 m=43 s=23
